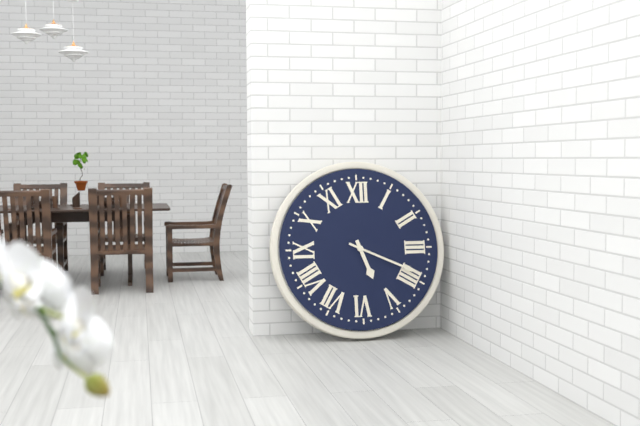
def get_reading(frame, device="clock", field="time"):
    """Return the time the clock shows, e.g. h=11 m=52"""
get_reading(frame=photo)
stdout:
h=5 m=19
